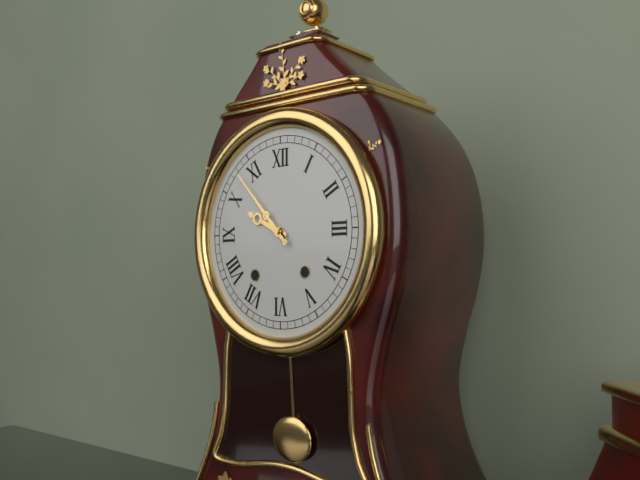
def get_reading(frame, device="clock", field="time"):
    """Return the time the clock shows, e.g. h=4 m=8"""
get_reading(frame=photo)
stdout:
h=9 m=53
